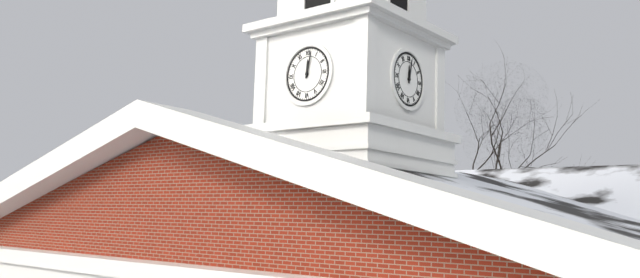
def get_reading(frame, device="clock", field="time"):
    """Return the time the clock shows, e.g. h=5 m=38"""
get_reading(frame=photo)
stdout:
h=12 m=2
